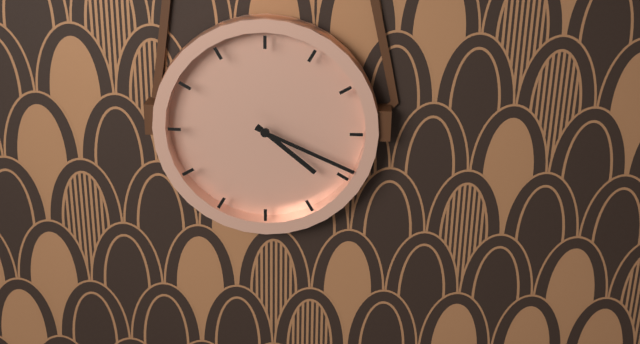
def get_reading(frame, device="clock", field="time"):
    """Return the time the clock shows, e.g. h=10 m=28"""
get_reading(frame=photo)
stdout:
h=4 m=19
